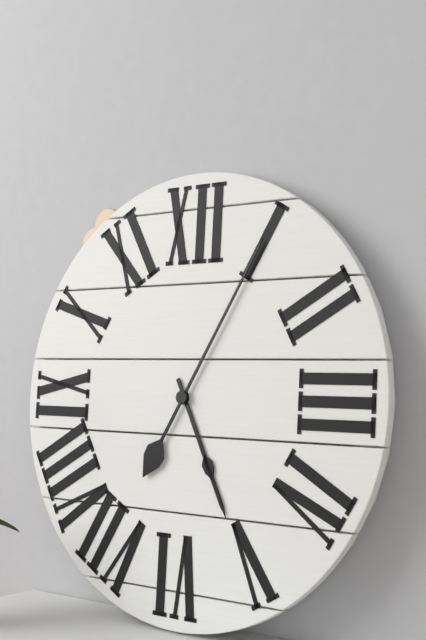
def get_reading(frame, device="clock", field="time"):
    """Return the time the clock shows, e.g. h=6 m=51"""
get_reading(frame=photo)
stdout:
h=5 m=5
